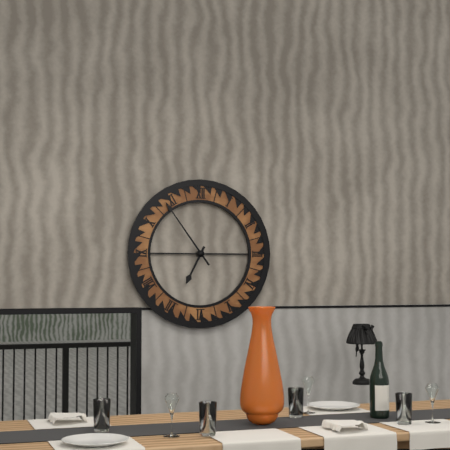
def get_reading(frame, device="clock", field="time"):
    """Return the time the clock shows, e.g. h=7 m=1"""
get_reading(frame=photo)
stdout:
h=6 m=54
